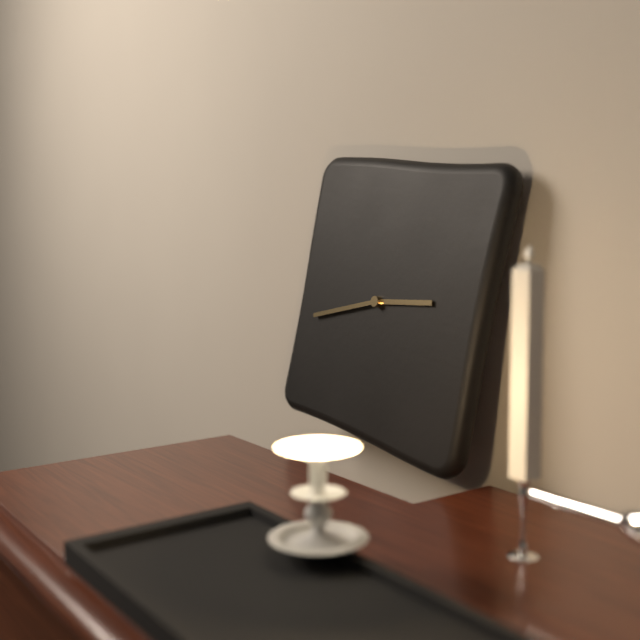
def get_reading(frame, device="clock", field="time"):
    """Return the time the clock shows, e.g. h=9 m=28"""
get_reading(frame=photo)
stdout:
h=2 m=42
